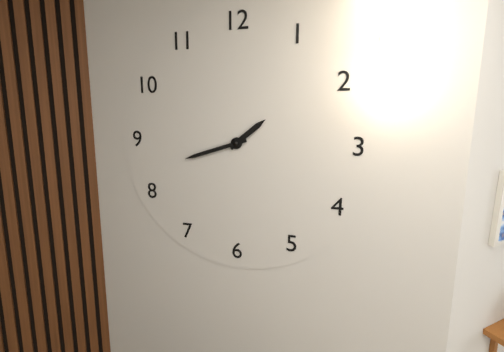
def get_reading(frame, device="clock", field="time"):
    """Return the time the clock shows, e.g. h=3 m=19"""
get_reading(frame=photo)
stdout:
h=1 m=42
